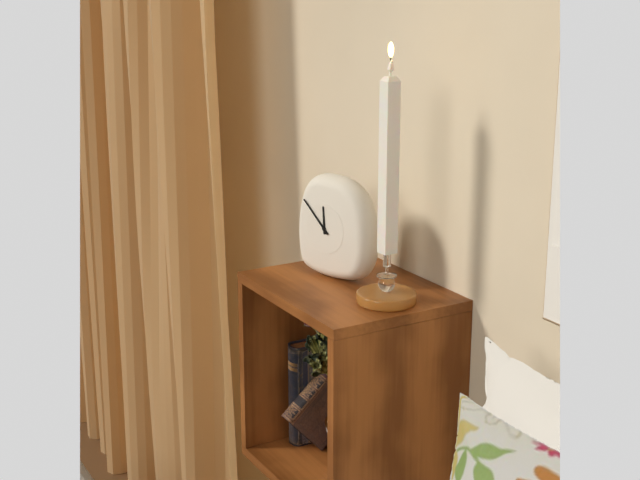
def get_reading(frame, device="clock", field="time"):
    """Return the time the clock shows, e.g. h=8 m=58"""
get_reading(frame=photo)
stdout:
h=11 m=52
